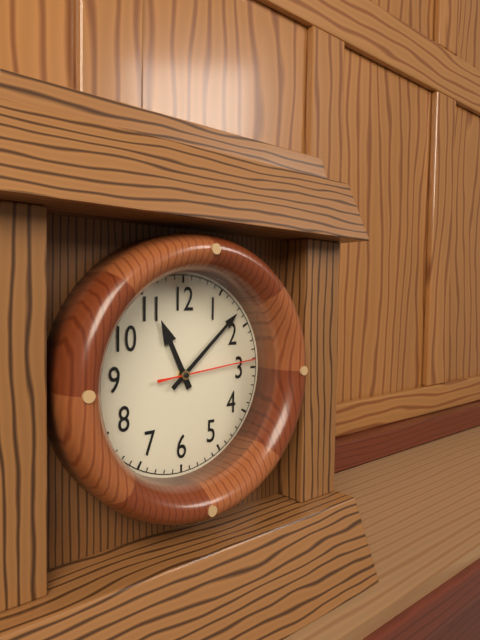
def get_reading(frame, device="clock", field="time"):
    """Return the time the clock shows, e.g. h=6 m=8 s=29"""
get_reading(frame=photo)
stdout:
h=11 m=8 s=14
